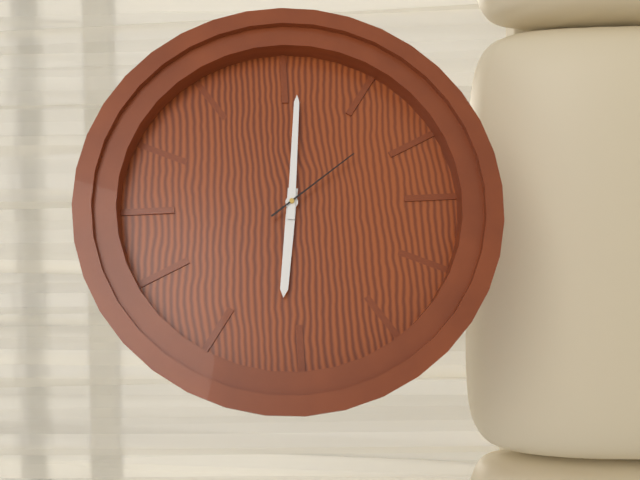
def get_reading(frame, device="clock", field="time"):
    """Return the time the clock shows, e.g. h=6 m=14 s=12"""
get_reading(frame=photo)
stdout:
h=9 m=16 s=24
